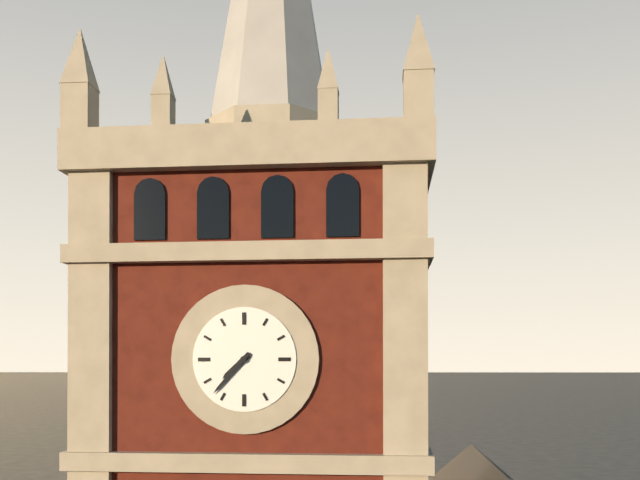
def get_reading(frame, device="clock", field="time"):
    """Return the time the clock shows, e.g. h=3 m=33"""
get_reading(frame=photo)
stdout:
h=7 m=37
